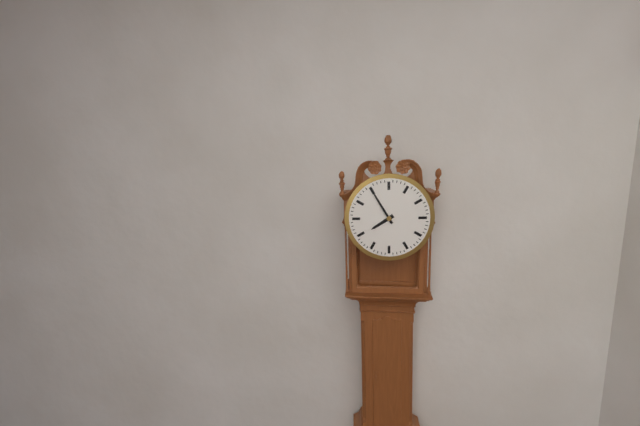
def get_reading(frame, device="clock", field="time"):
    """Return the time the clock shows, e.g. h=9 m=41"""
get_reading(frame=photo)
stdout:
h=7 m=55
